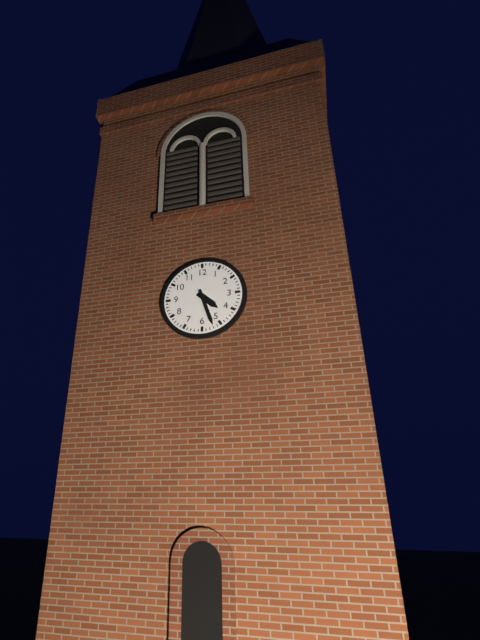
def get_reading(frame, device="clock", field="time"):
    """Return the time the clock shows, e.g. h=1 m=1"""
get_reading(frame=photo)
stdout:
h=4 m=27
